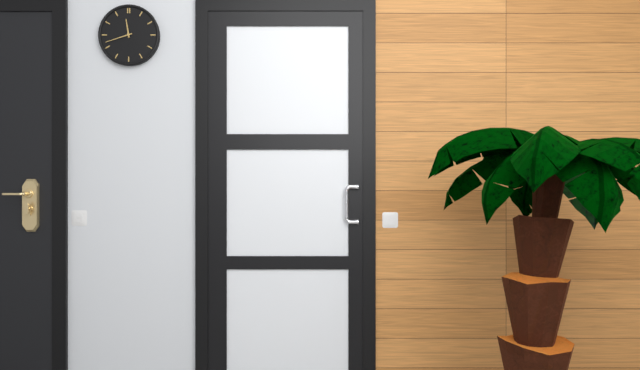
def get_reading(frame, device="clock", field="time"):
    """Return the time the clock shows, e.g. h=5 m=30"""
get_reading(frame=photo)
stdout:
h=11 m=42
